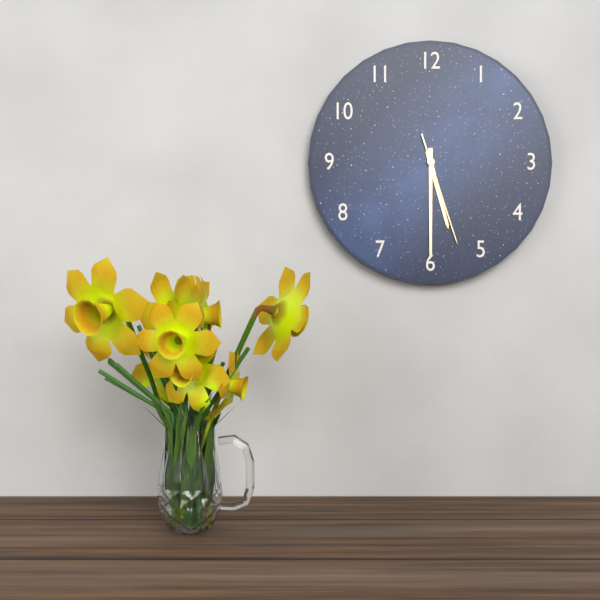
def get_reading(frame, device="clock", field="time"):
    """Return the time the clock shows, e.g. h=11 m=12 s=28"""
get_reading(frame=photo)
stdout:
h=5 m=30 s=27
